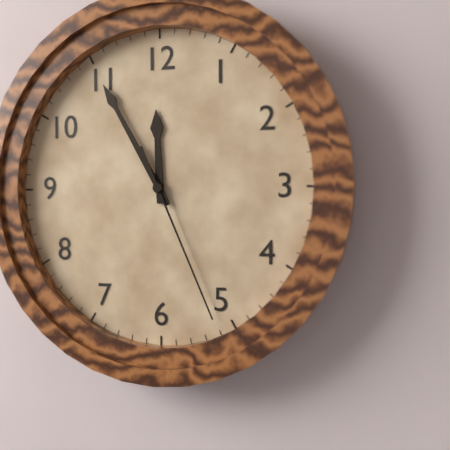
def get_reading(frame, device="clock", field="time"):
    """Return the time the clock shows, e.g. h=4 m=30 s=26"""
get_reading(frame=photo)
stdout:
h=11 m=55 s=26
